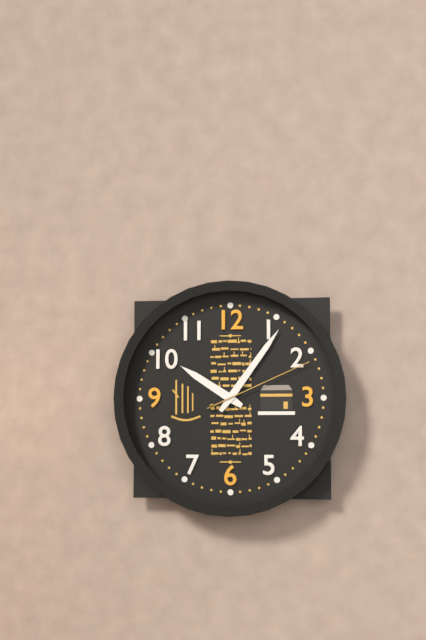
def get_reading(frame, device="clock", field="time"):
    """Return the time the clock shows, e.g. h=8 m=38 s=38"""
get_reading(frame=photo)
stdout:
h=10 m=6 s=11
